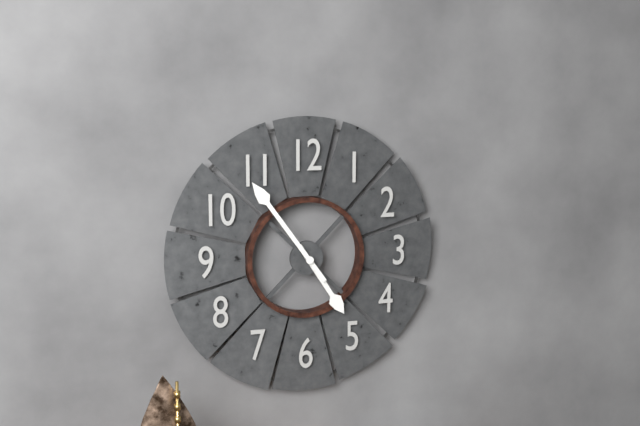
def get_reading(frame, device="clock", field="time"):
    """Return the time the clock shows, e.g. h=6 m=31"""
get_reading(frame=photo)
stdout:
h=4 m=54
